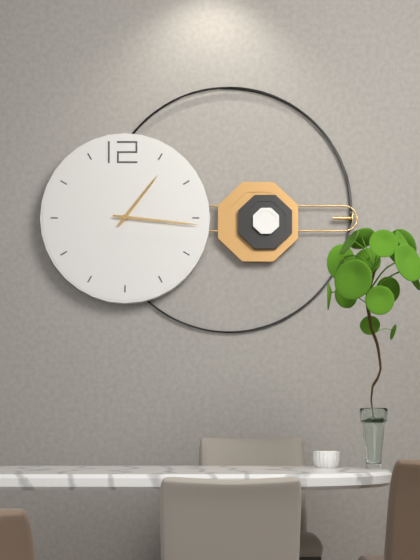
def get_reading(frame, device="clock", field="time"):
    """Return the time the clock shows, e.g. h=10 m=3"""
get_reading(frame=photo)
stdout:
h=1 m=16
